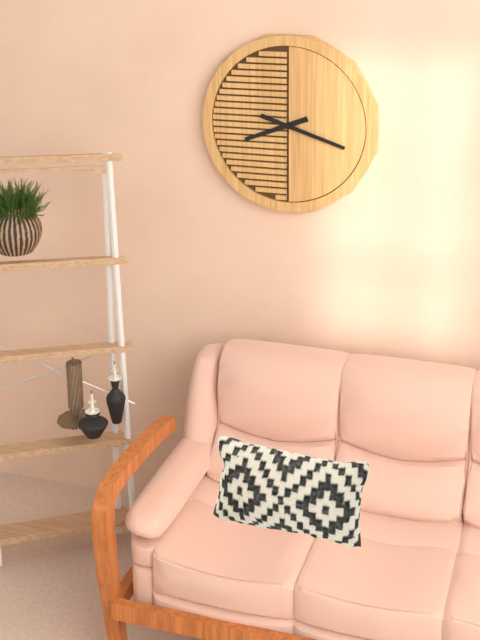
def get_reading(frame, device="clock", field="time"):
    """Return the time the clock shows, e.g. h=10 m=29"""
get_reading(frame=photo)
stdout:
h=8 m=18
